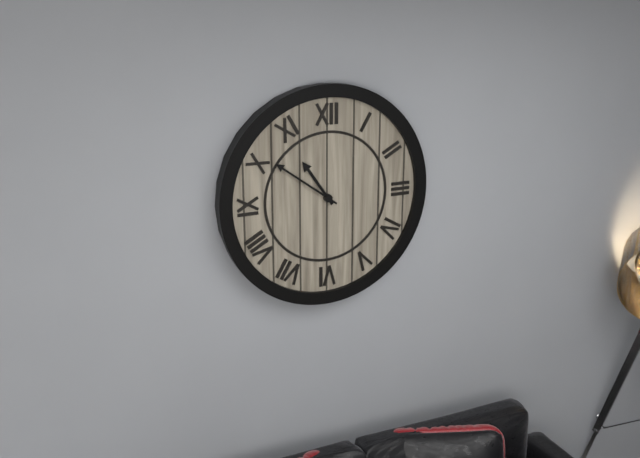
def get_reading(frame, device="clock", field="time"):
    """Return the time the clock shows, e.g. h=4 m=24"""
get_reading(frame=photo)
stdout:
h=10 m=51
